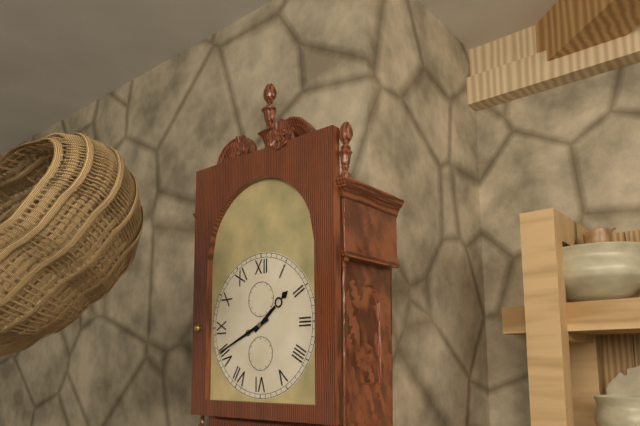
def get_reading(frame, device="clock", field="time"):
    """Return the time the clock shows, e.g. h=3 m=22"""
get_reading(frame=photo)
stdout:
h=1 m=41
